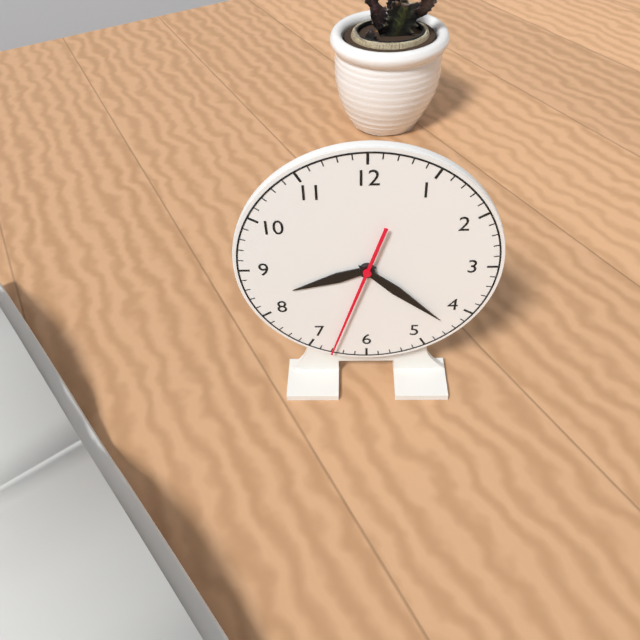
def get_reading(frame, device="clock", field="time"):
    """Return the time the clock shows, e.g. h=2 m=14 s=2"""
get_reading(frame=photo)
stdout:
h=8 m=22 s=33
